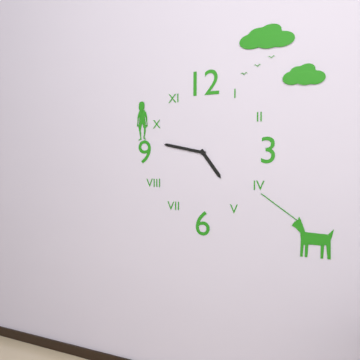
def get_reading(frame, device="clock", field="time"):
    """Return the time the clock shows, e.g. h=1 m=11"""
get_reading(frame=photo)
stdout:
h=4 m=47
